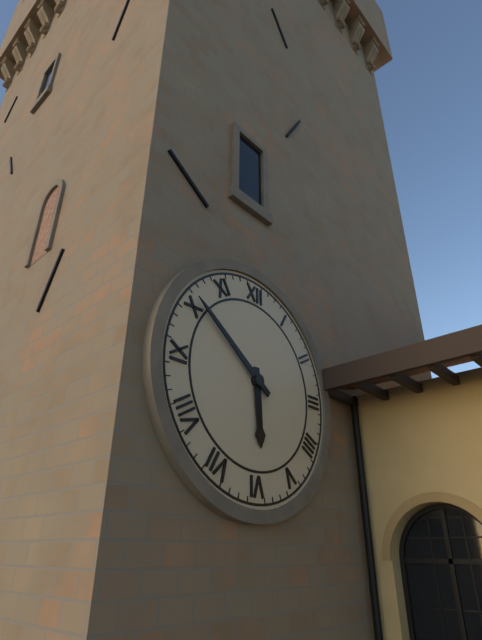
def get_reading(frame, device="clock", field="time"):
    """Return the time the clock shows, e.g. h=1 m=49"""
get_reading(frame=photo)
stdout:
h=5 m=51
